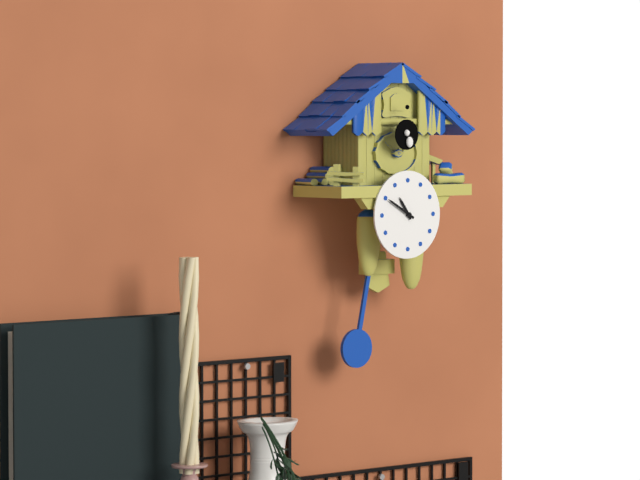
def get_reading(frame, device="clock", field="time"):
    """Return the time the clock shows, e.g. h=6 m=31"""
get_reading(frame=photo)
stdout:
h=10 m=50
